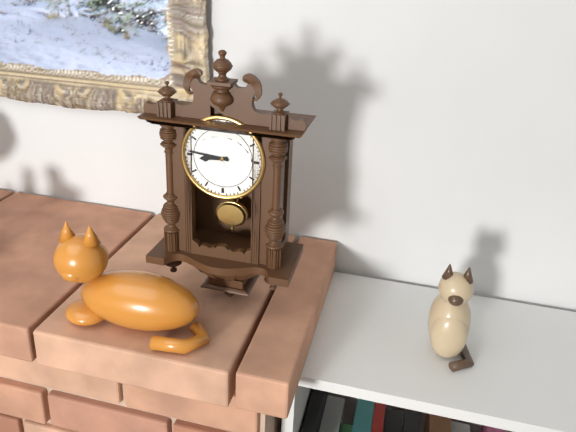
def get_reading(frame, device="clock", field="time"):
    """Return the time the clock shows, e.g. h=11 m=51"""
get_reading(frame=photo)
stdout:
h=8 m=46
